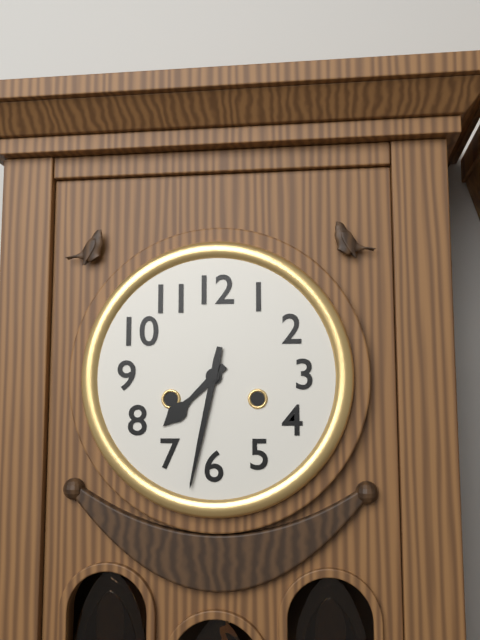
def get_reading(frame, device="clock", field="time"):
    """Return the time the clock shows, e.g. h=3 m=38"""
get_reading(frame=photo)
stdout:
h=7 m=32
